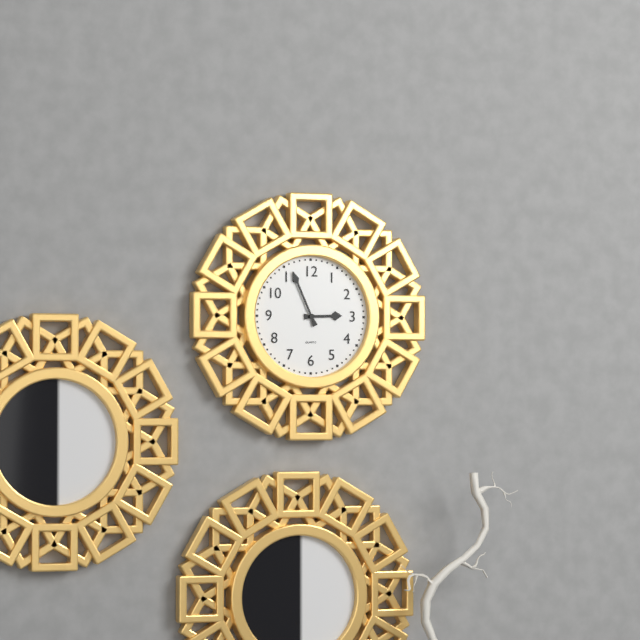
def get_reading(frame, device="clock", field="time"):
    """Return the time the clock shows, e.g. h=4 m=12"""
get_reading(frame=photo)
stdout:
h=2 m=56
